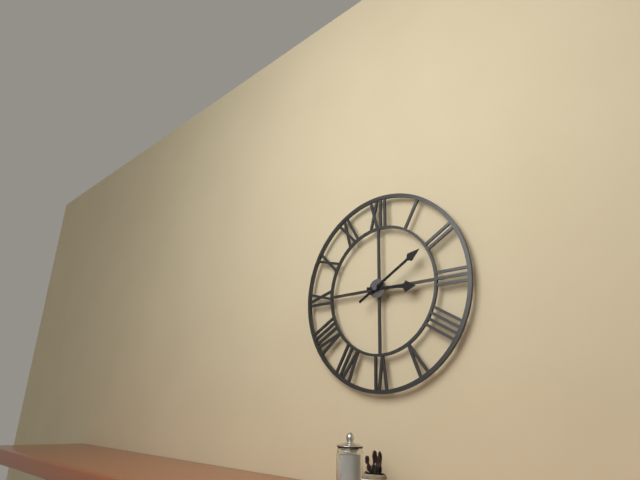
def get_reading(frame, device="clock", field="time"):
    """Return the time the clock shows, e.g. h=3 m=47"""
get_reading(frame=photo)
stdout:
h=3 m=10
